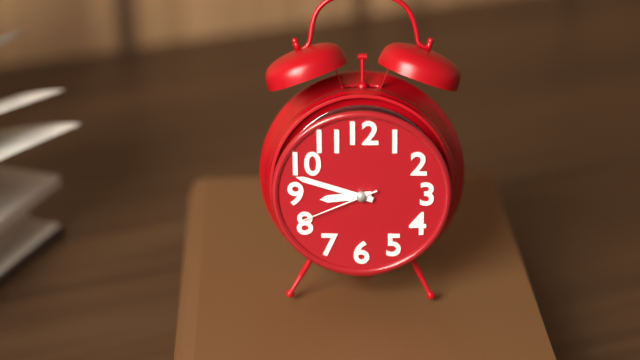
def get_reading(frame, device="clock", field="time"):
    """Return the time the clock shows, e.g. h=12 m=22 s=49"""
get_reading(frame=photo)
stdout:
h=8 m=48 s=41
